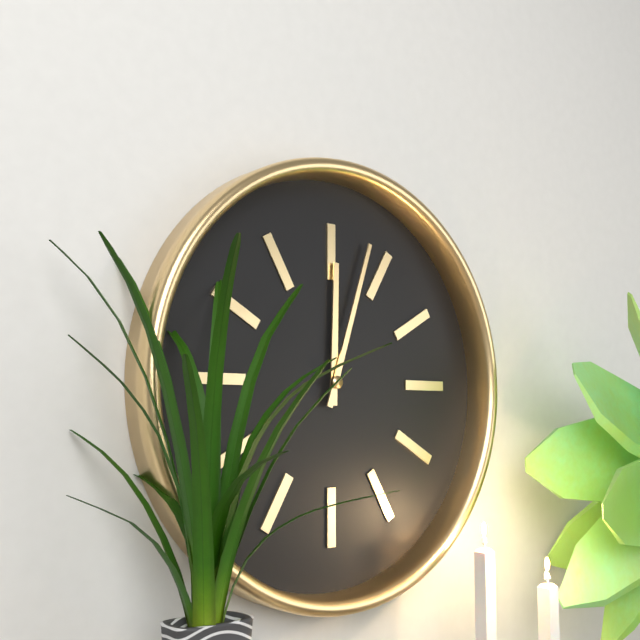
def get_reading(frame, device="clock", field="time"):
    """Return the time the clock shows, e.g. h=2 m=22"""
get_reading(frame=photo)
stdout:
h=12 m=3
